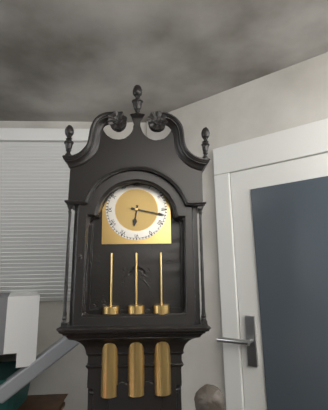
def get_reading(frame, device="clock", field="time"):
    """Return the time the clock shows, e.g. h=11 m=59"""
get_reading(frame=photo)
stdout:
h=6 m=17
